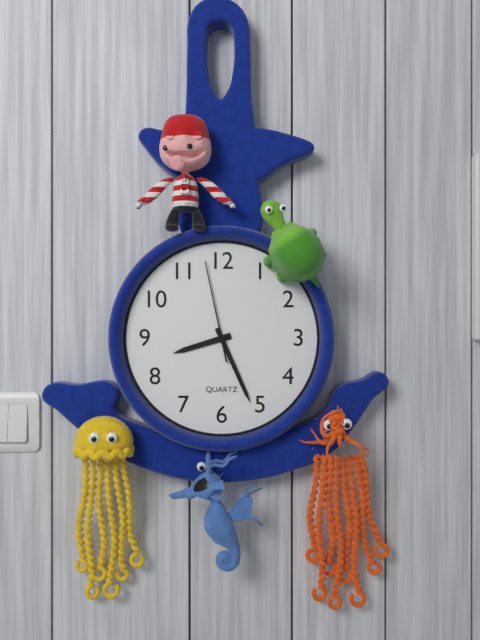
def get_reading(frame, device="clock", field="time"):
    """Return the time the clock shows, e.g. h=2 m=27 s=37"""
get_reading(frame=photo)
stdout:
h=8 m=26 s=58
